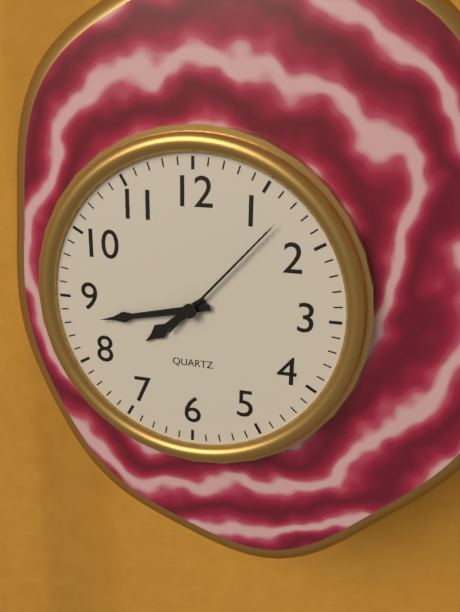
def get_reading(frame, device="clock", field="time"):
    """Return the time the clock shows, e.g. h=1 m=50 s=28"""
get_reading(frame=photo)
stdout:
h=7 m=43 s=7
